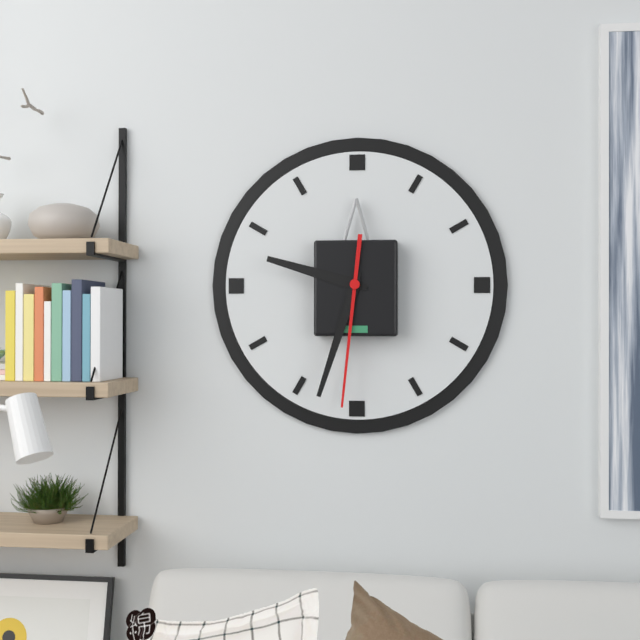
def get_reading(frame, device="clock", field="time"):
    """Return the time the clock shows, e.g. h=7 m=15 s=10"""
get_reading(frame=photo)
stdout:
h=9 m=33 s=31
